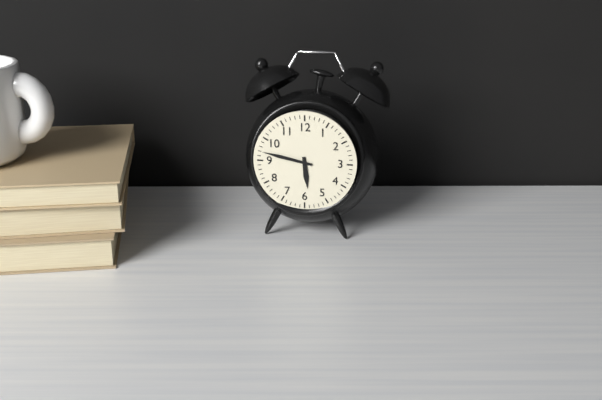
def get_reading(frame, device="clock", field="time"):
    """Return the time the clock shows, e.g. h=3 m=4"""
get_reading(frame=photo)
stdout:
h=5 m=47
